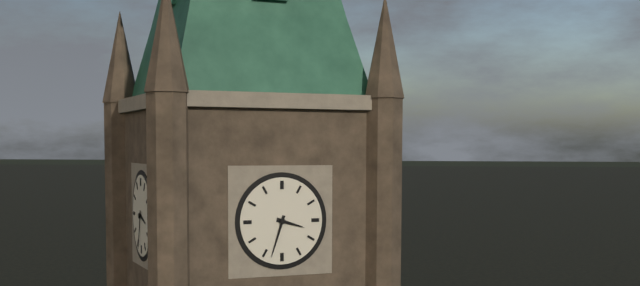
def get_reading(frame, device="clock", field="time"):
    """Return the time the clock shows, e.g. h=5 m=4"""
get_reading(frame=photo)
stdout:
h=3 m=33
